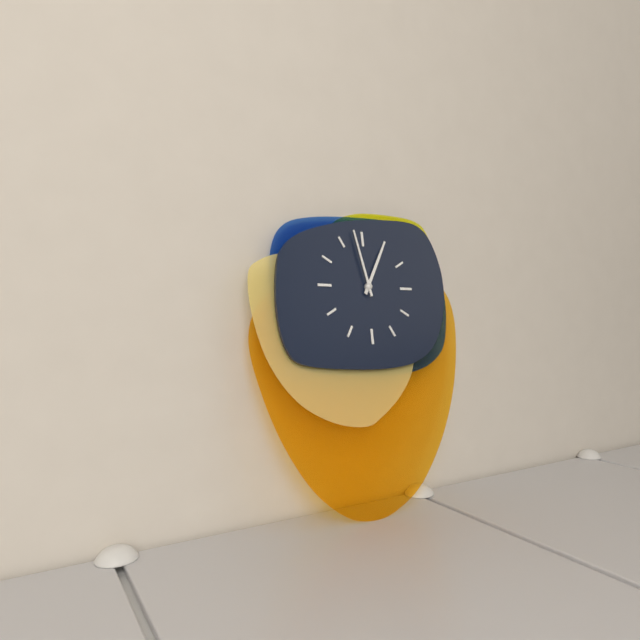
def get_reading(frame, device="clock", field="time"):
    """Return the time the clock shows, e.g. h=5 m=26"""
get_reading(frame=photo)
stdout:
h=12 m=58
